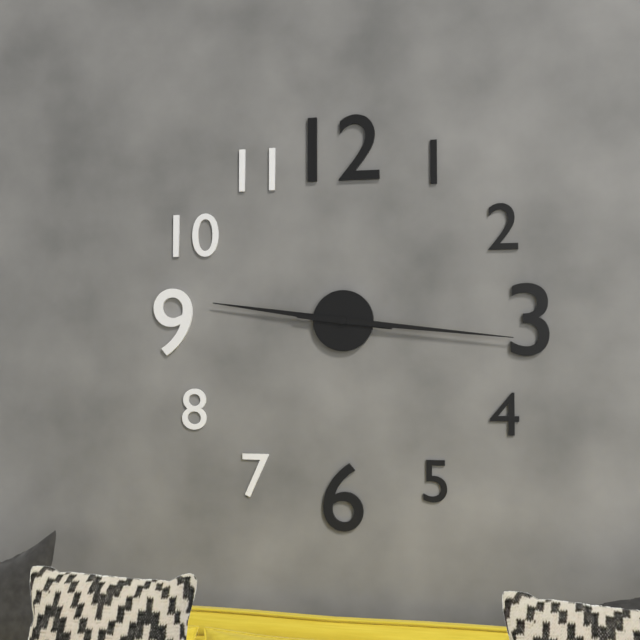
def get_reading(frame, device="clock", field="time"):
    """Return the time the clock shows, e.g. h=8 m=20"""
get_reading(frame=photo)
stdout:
h=9 m=16
